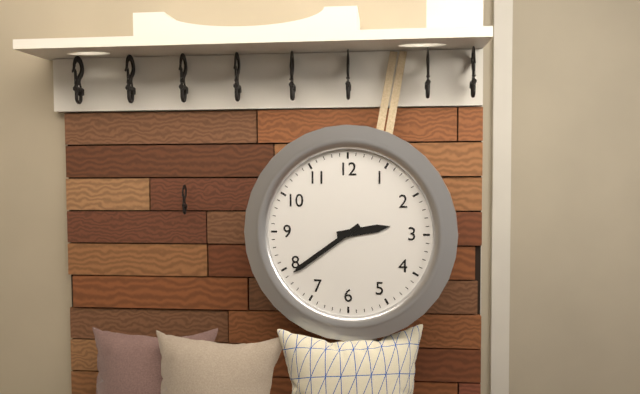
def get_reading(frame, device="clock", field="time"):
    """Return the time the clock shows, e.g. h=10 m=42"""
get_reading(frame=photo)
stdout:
h=2 m=39
